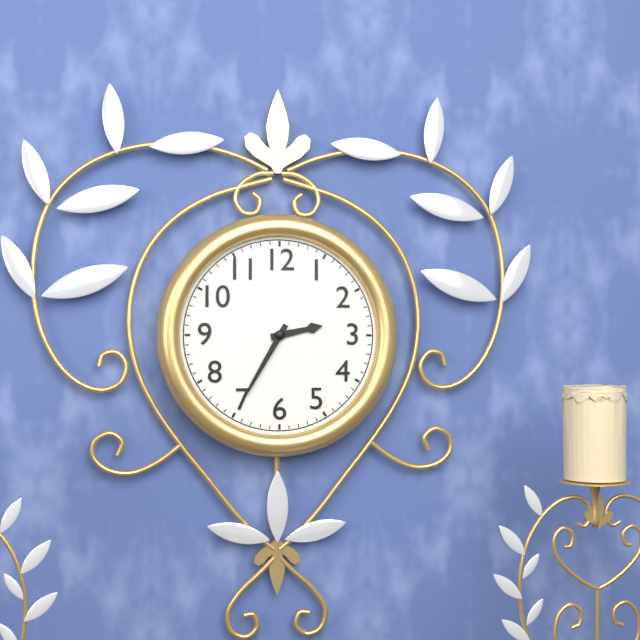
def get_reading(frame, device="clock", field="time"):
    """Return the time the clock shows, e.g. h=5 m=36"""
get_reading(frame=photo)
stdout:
h=2 m=35
